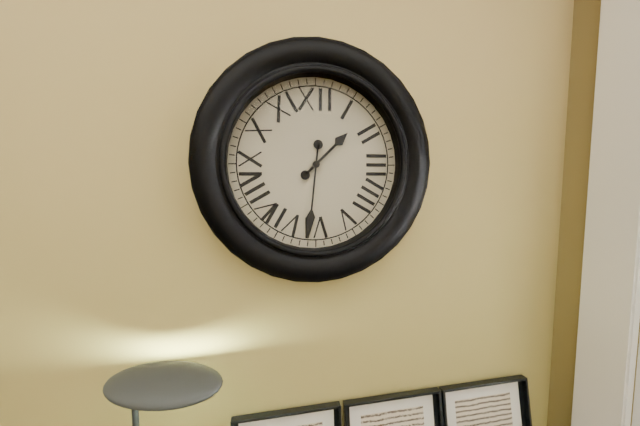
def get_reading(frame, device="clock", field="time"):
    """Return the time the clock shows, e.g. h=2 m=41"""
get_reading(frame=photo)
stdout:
h=1 m=31
